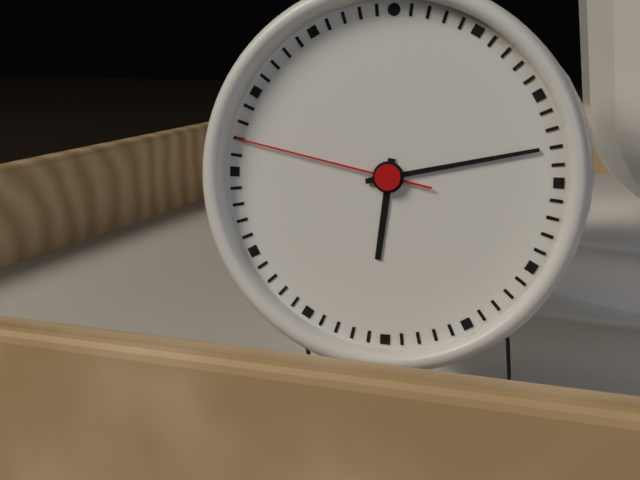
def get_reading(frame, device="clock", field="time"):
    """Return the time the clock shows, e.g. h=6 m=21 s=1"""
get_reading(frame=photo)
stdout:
h=6 m=13 s=47
